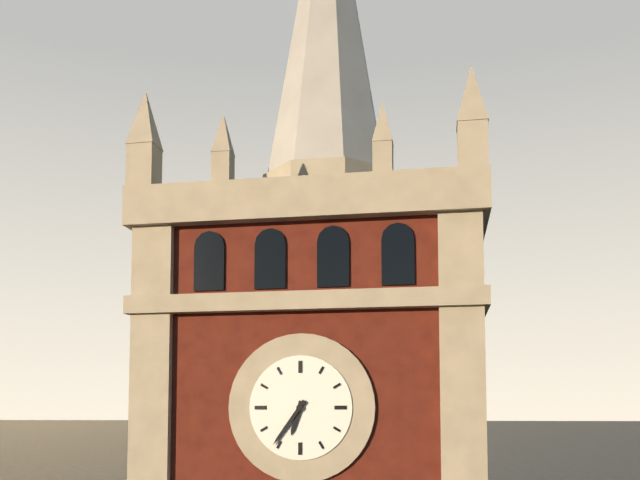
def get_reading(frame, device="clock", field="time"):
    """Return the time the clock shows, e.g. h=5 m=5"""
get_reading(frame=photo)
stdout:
h=6 m=36
